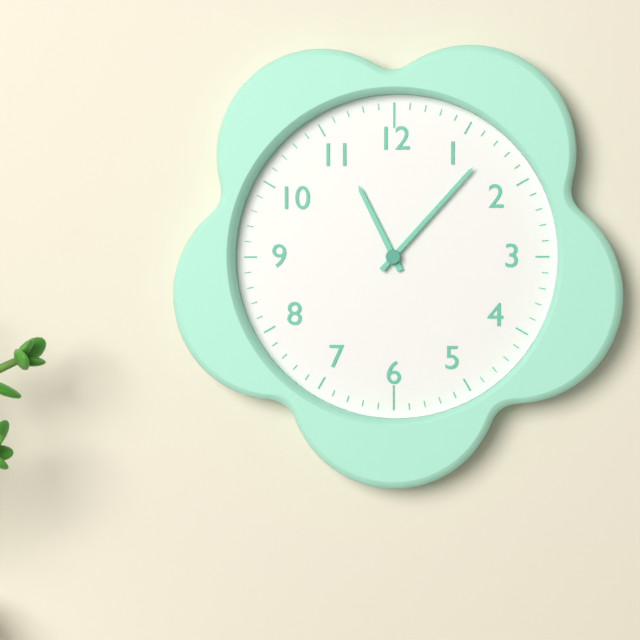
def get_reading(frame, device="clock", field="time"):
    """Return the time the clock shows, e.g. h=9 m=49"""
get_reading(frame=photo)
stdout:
h=11 m=7
